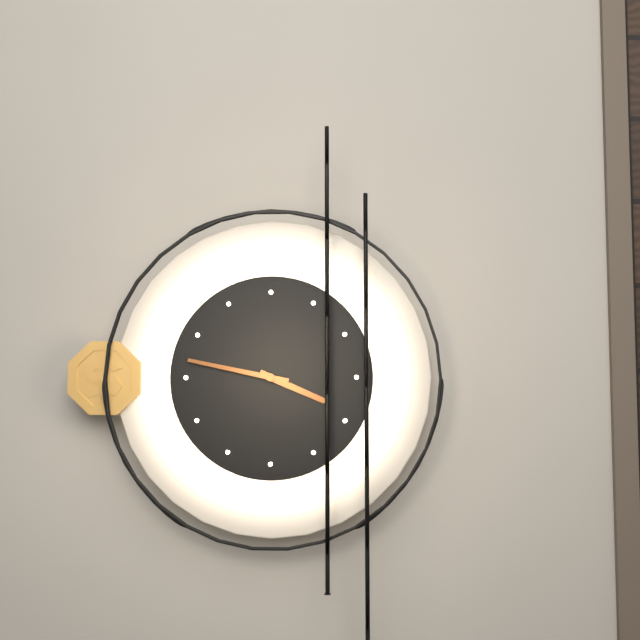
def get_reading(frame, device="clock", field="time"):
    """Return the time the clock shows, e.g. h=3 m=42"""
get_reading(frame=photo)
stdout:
h=3 m=47
